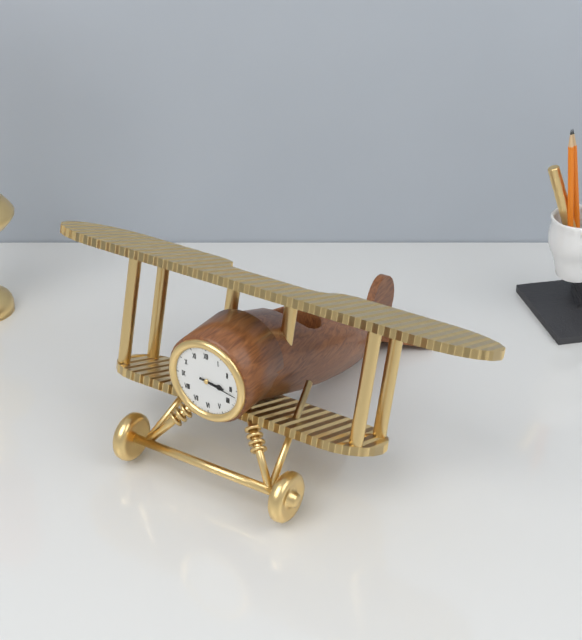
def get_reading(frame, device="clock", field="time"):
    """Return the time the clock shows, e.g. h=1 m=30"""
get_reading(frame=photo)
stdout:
h=3 m=17
